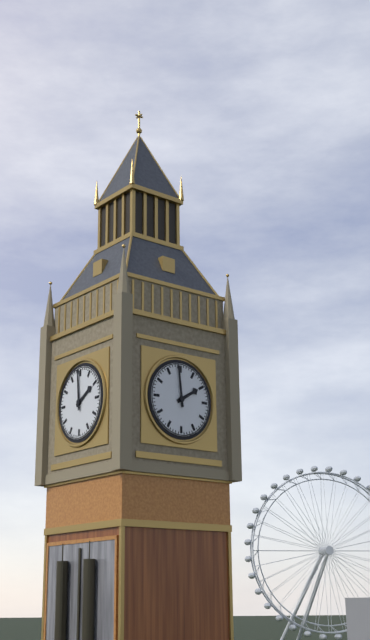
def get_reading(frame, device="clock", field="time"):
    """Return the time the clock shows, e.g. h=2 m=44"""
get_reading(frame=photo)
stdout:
h=1 m=59
